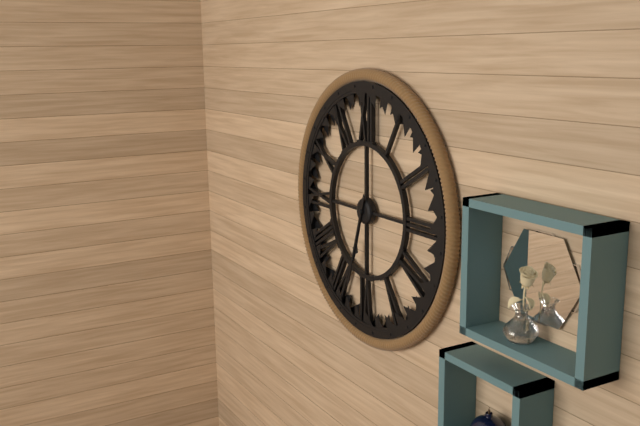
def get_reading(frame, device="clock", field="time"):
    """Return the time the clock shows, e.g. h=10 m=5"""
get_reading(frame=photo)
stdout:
h=6 m=33
